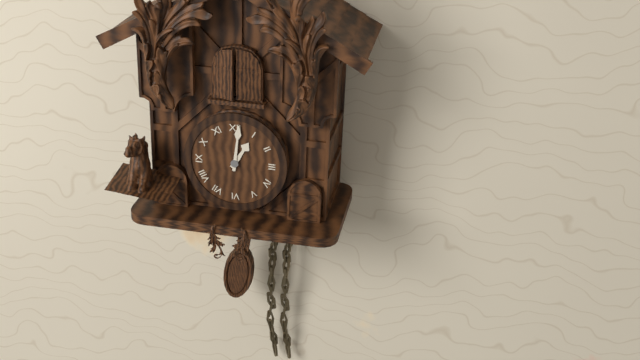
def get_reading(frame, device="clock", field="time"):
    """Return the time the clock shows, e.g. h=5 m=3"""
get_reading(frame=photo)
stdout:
h=1 m=1
